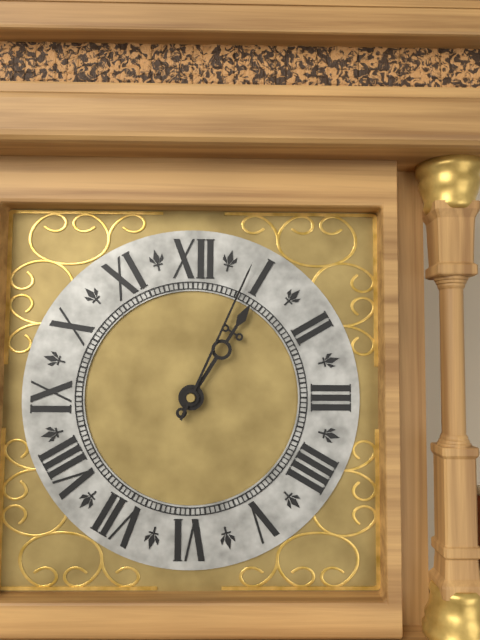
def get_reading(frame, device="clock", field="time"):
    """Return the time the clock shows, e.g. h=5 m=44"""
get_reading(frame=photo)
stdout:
h=1 m=4
